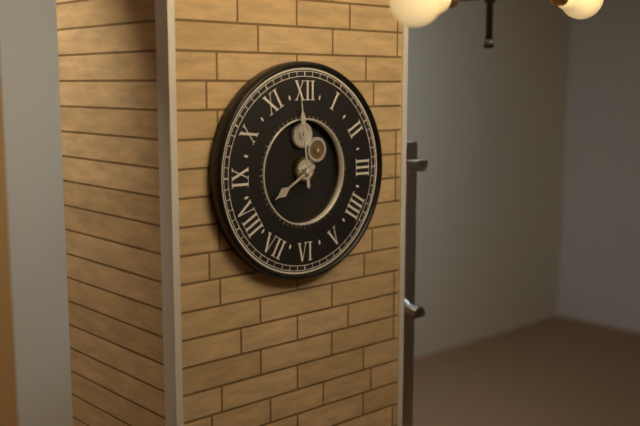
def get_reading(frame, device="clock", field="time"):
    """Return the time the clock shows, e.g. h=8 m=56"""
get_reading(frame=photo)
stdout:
h=7 m=59
